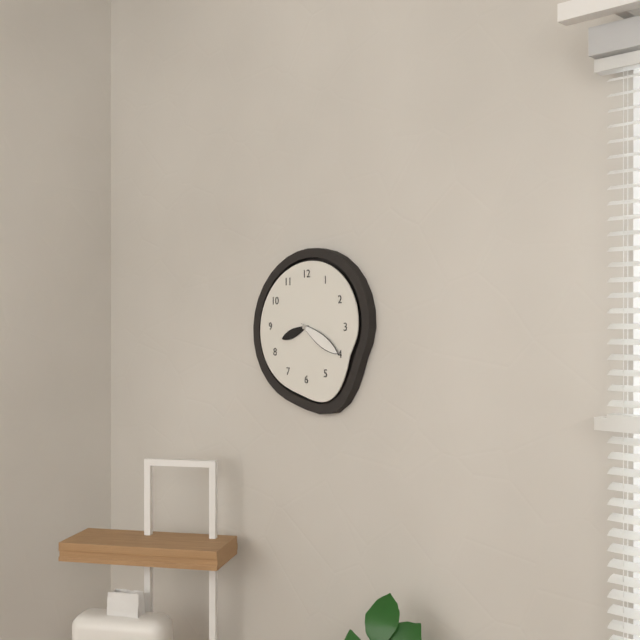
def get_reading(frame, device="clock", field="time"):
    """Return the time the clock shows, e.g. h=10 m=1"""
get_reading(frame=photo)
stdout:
h=8 m=20
